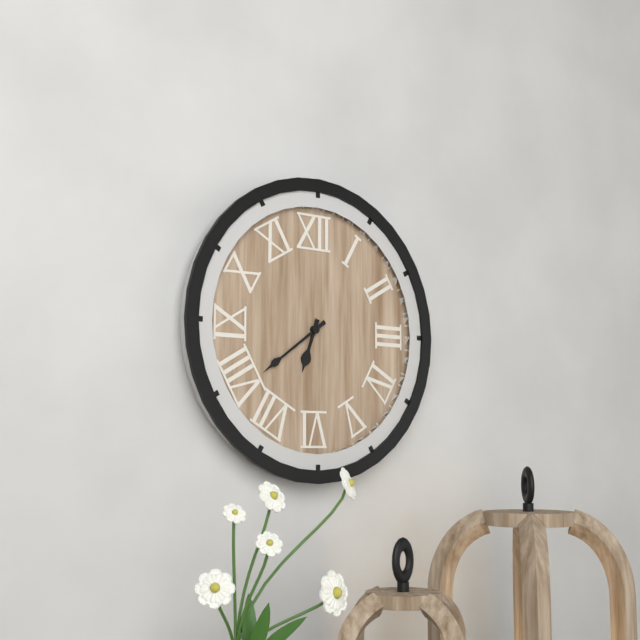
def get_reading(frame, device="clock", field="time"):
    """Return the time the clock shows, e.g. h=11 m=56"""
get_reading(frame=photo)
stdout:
h=6 m=39
